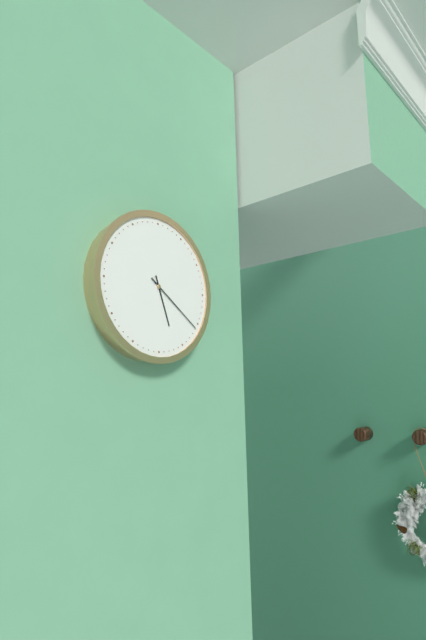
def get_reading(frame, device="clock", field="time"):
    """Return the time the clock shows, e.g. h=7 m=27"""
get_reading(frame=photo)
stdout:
h=5 m=21
